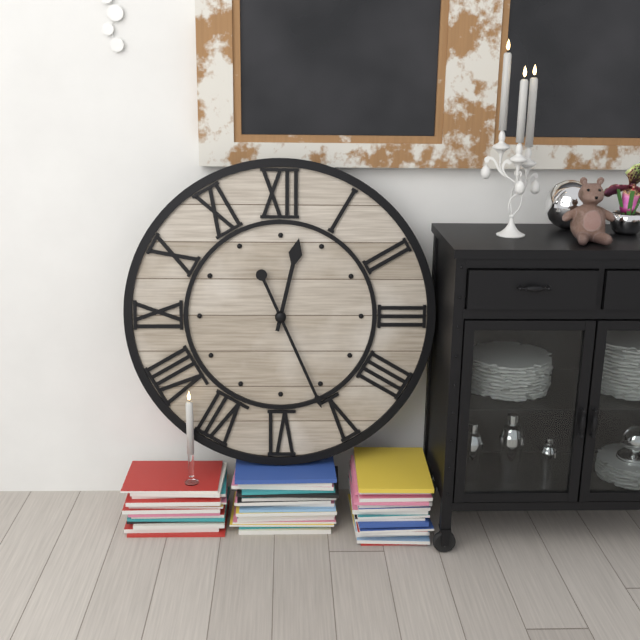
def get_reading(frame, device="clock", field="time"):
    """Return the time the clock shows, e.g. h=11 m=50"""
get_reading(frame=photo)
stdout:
h=12 m=26
